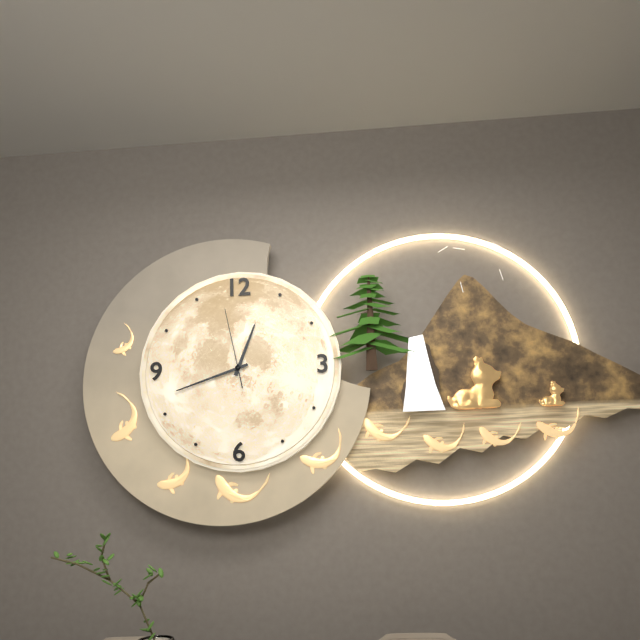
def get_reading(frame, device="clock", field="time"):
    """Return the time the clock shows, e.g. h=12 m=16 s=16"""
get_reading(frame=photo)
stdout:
h=12 m=42 s=58
